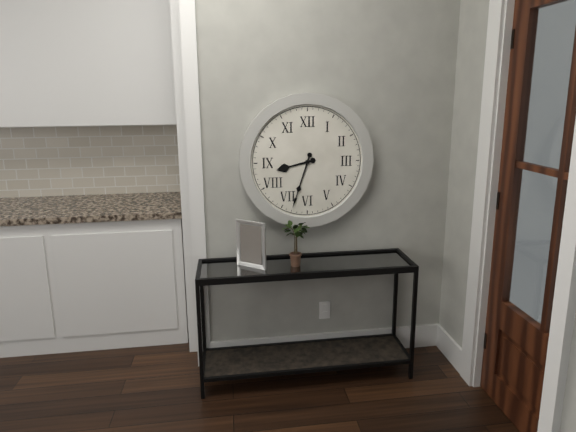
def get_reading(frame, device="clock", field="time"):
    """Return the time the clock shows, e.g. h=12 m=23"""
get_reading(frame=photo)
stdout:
h=8 m=33
